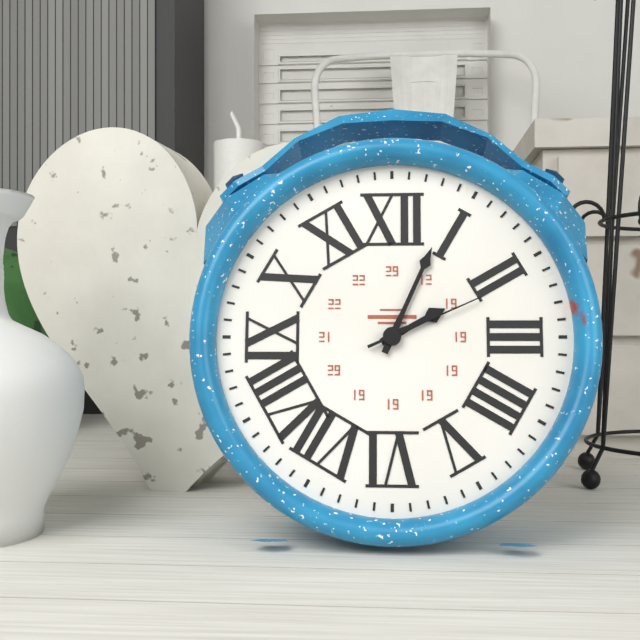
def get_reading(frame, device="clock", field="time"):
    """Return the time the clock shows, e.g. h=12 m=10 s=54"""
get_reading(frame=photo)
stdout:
h=2 m=4 s=11
